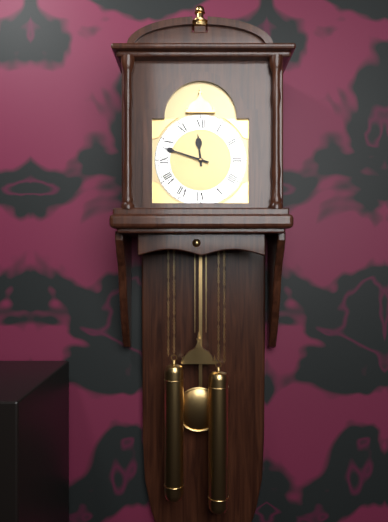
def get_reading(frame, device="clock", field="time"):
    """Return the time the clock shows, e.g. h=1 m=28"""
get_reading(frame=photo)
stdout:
h=11 m=48
